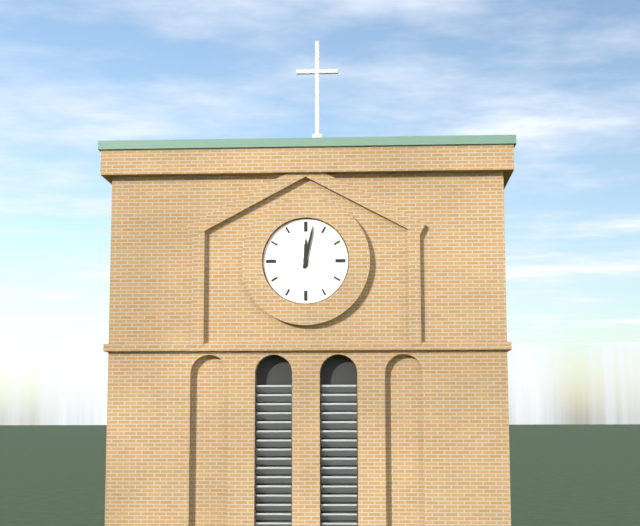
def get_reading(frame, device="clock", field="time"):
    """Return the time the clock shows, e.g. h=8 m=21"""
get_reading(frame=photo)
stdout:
h=12 m=2
